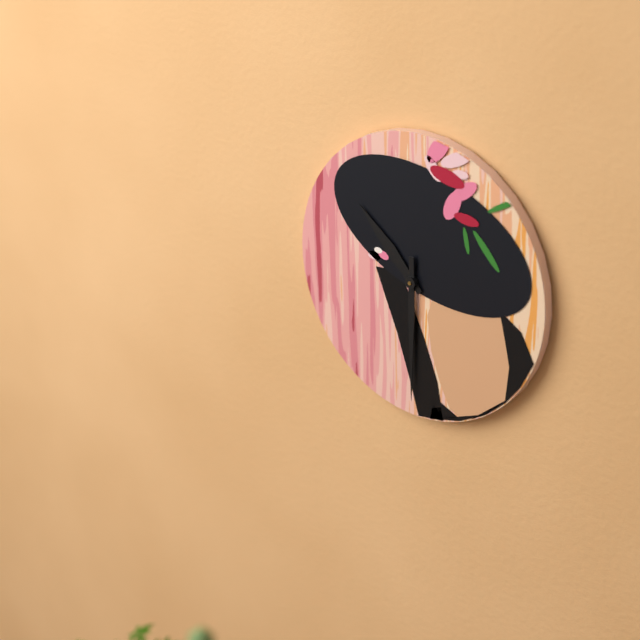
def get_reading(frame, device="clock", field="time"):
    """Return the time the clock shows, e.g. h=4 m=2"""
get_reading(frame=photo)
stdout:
h=10 m=30
